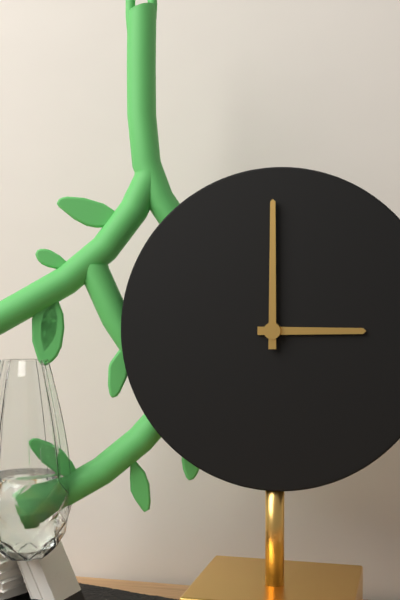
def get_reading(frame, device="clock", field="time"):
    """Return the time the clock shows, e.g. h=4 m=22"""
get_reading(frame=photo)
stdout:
h=3 m=0
